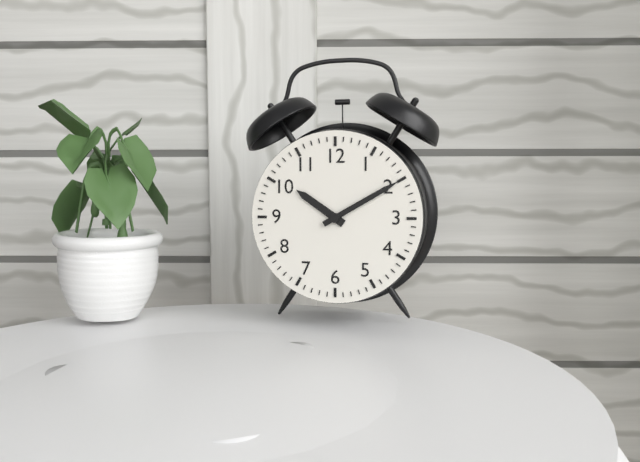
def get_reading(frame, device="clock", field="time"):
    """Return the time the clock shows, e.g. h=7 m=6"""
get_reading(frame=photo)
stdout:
h=10 m=10
